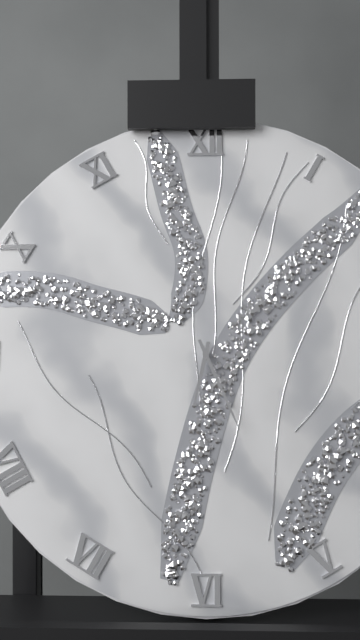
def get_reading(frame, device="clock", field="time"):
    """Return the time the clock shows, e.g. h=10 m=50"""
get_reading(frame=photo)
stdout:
h=6 m=26
